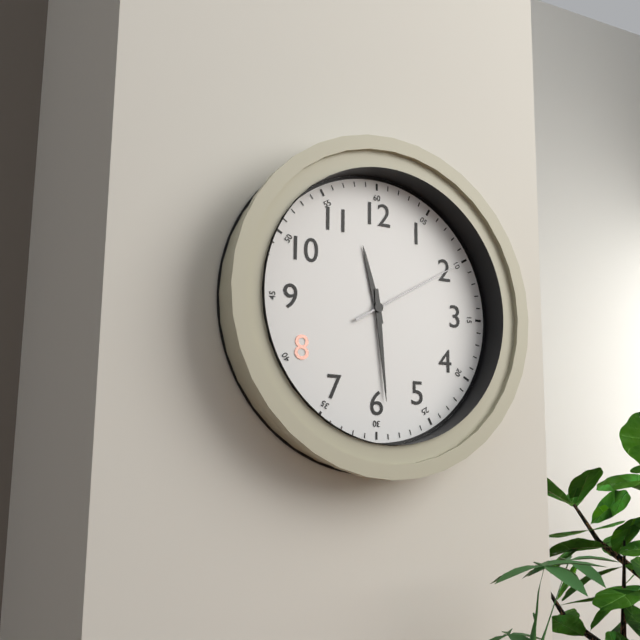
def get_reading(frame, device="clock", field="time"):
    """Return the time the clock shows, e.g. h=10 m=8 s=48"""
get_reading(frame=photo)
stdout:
h=11 m=29 s=10
